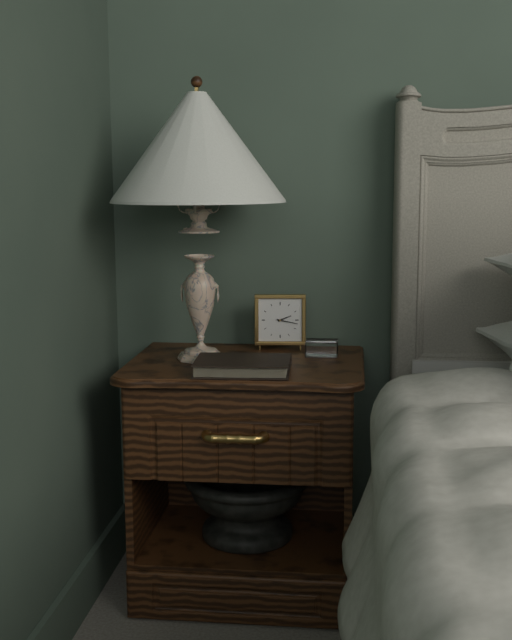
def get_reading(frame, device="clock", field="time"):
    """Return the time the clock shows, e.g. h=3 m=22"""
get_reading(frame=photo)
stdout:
h=2 m=17
